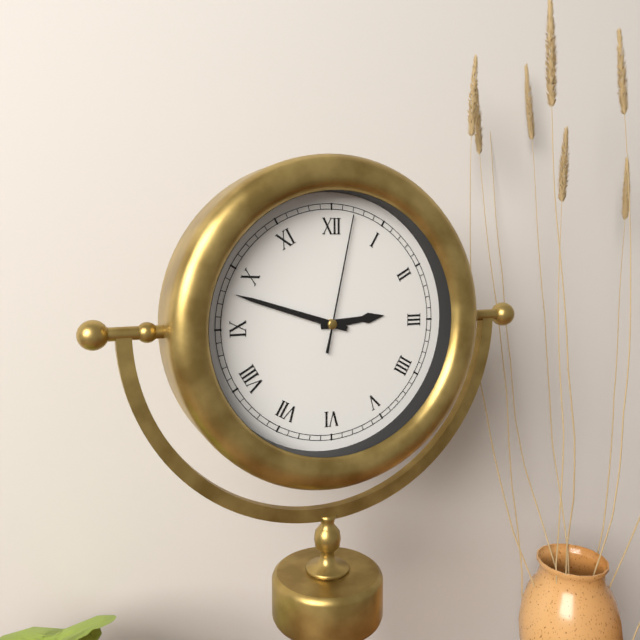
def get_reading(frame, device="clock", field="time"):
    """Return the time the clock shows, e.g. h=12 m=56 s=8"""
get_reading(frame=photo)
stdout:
h=2 m=48 s=2
